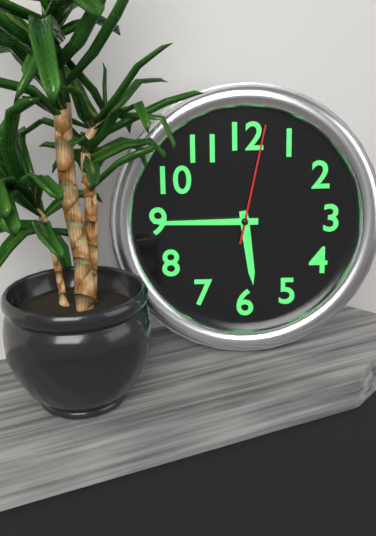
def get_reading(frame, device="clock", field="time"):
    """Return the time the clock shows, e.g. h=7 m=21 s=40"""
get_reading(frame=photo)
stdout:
h=5 m=45 s=2
